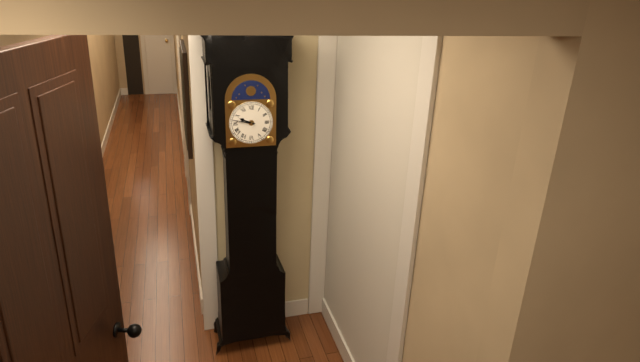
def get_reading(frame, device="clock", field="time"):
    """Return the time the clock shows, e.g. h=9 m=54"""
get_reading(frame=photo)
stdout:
h=9 m=47
